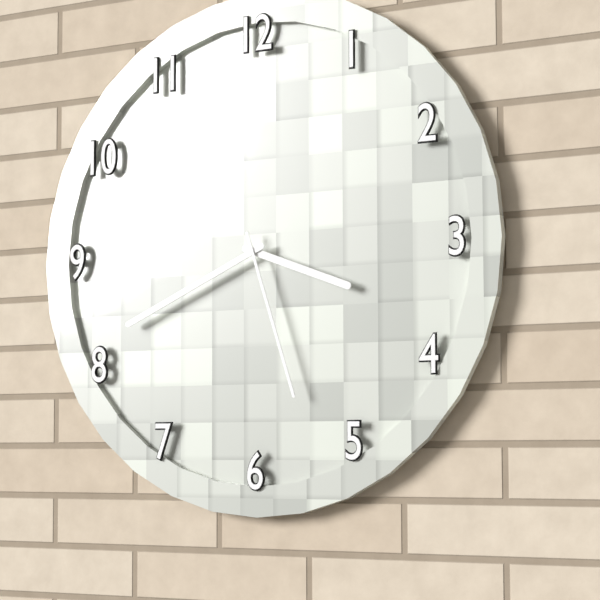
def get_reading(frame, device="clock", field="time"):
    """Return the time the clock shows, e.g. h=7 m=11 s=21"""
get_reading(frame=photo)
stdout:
h=3 m=41 s=27
